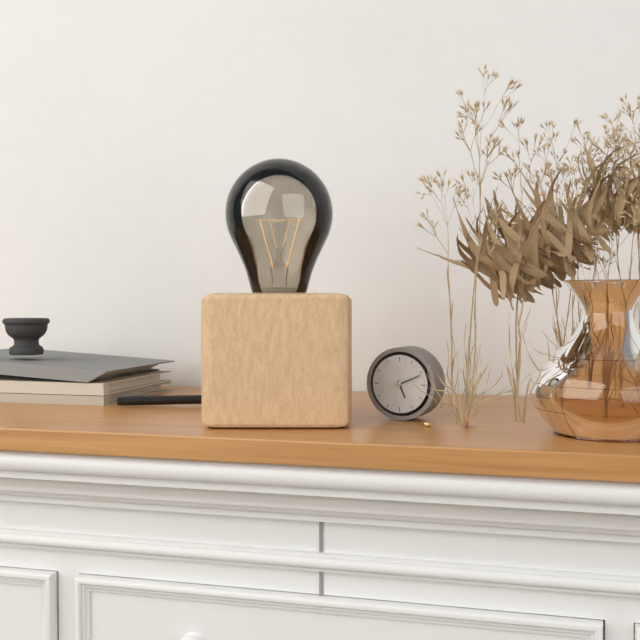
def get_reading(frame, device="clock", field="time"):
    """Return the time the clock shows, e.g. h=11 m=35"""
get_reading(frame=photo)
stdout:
h=5 m=11
